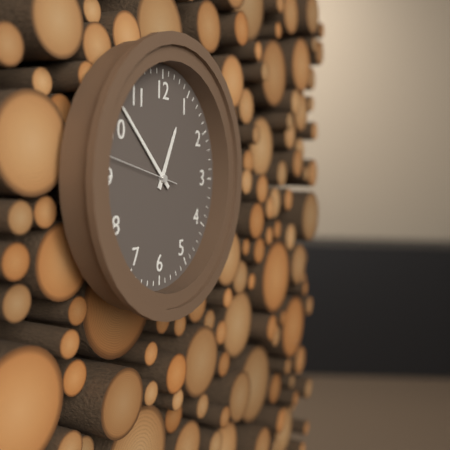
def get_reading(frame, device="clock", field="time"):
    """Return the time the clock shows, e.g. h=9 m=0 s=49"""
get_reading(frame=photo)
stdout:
h=12 m=52 s=47
